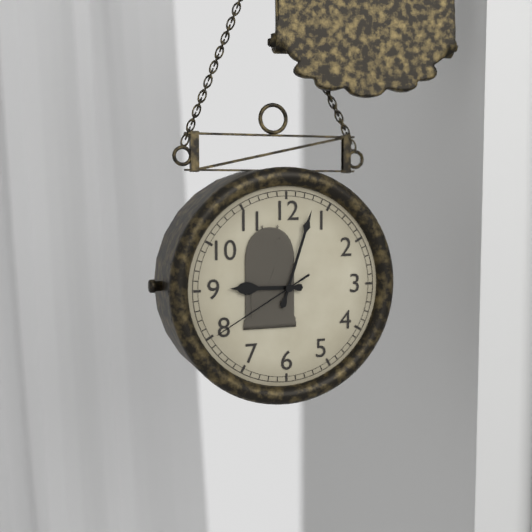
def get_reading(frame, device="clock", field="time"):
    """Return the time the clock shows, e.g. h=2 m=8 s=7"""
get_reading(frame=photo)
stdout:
h=9 m=3 s=40
